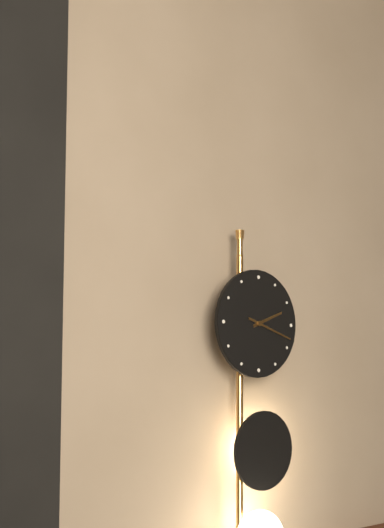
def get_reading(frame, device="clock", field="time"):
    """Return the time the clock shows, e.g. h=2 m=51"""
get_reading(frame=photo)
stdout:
h=2 m=18
